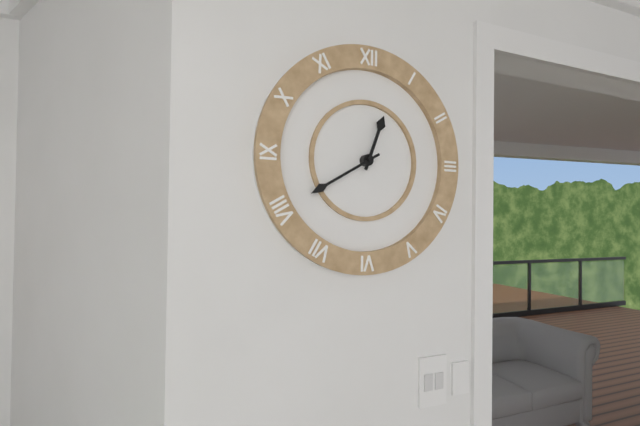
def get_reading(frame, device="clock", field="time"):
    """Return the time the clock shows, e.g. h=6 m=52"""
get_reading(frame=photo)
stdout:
h=12 m=40
